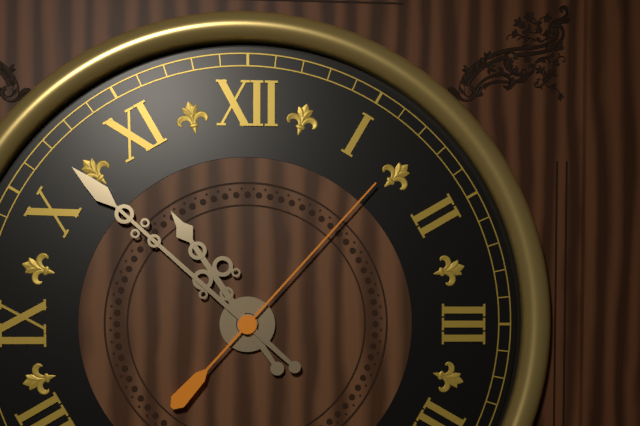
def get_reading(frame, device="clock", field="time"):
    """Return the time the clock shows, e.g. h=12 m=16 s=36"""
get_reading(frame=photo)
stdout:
h=10 m=52 s=7
